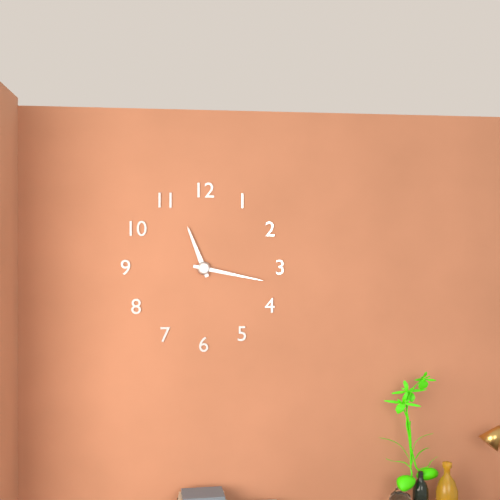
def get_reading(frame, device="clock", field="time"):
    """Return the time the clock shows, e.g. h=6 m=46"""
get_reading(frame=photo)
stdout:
h=11 m=17
